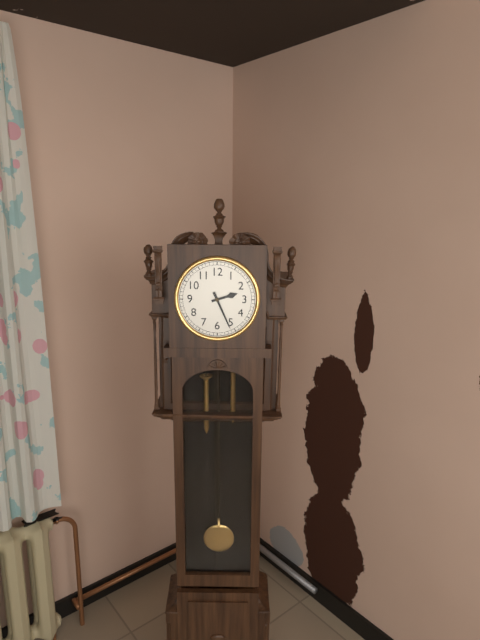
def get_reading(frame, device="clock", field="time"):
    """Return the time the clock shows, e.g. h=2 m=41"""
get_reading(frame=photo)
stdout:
h=2 m=26
